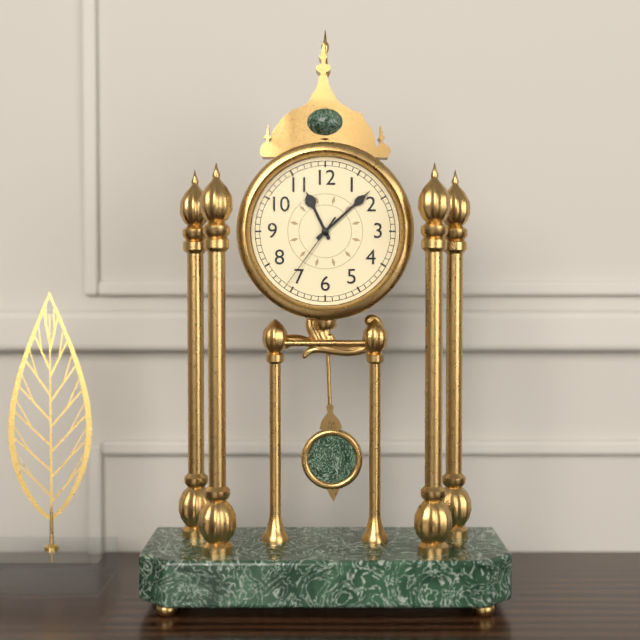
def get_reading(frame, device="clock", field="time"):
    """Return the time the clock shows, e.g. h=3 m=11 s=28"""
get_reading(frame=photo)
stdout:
h=11 m=8 s=36
